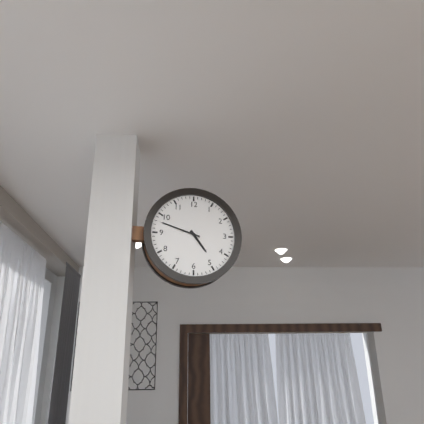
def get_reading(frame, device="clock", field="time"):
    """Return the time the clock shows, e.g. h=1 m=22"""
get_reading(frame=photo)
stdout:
h=4 m=48
